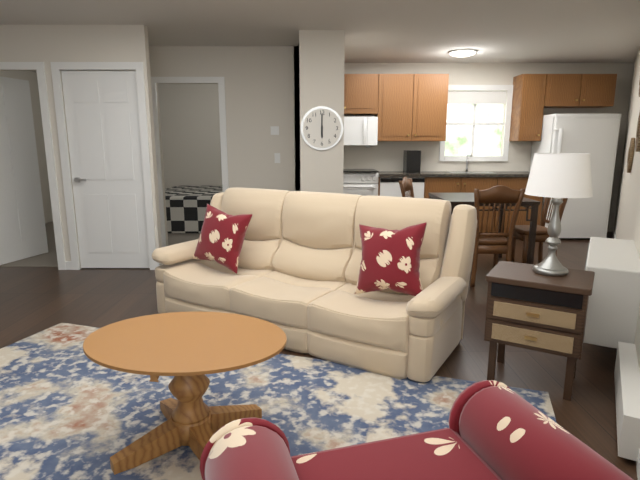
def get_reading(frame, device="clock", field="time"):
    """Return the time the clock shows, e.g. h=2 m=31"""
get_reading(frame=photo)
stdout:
h=6 m=0
